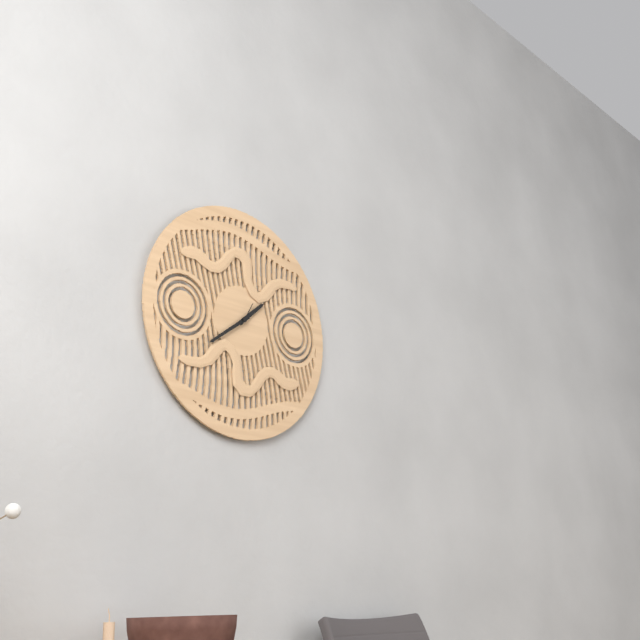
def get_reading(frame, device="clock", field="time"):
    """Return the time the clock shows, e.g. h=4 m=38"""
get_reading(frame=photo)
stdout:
h=1 m=39
